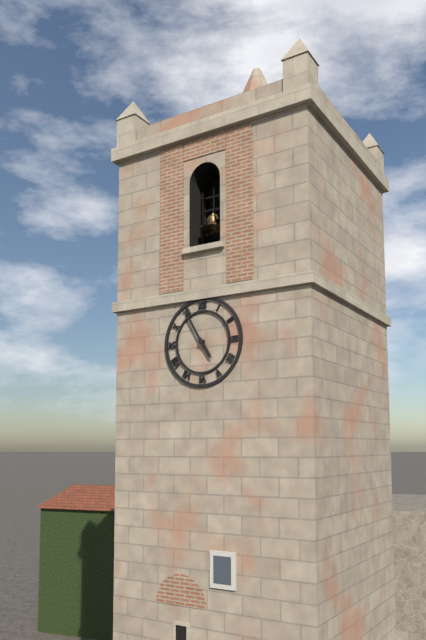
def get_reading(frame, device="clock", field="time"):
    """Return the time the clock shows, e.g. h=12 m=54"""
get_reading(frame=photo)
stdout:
h=4 m=55
